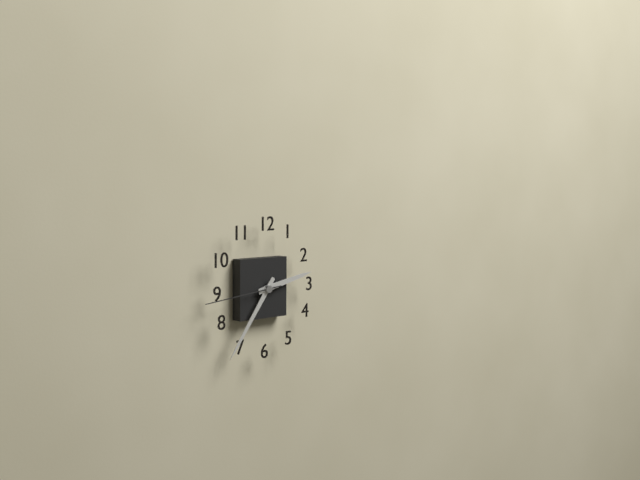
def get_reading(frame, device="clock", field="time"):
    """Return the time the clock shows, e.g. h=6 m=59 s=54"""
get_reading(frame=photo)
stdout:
h=2 m=36 s=44
